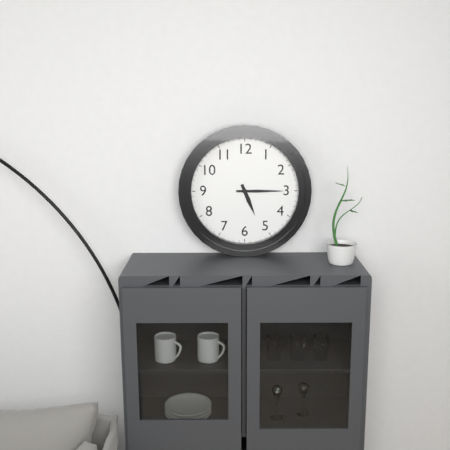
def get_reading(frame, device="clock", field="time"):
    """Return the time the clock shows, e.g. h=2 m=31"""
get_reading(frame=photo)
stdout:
h=5 m=15
